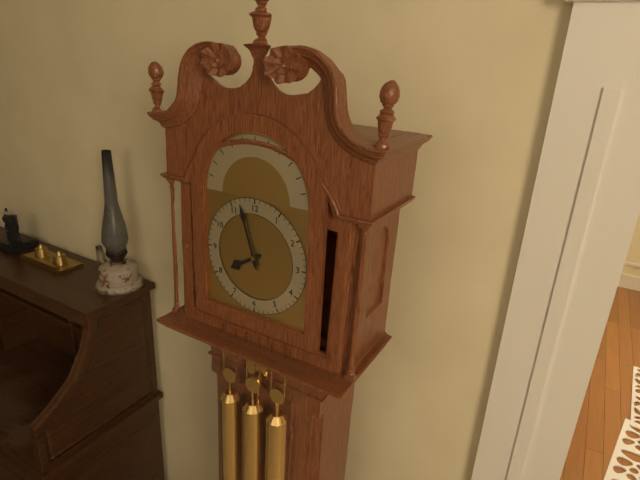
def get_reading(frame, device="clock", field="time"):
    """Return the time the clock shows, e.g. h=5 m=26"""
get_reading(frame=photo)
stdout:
h=7 m=57
